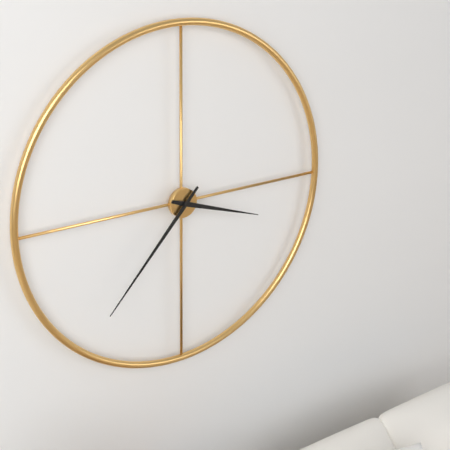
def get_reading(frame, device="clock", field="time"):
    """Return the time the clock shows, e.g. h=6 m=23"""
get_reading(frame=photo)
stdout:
h=3 m=37
